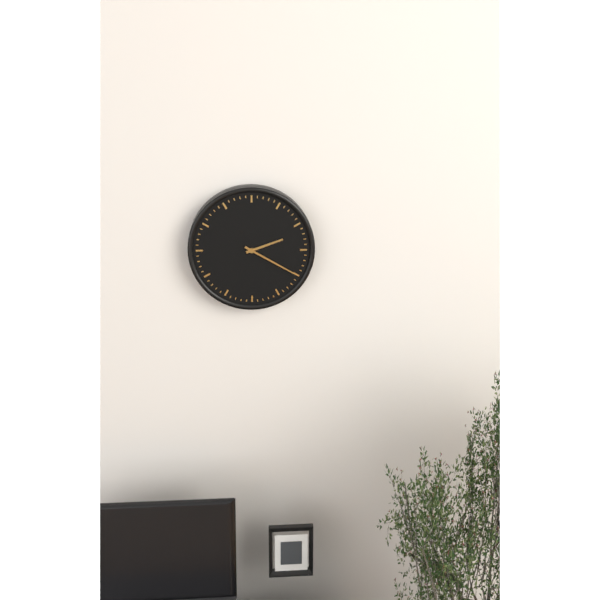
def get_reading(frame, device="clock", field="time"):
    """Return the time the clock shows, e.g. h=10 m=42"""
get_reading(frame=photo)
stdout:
h=2 m=20
